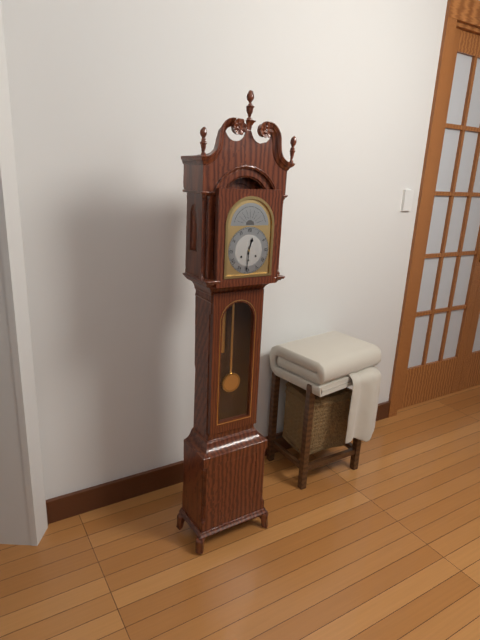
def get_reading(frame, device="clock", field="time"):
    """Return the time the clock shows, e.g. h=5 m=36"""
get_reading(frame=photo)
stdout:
h=12 m=31
